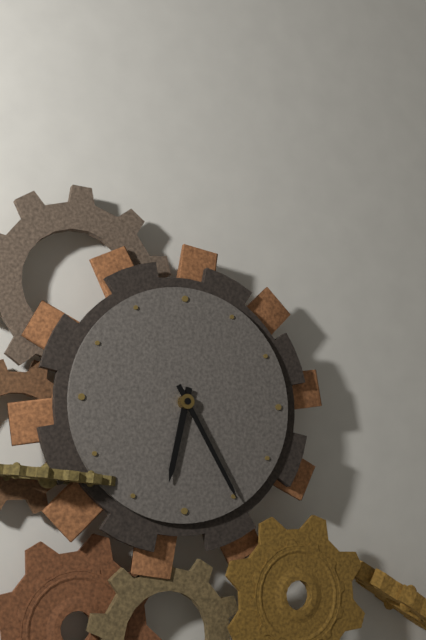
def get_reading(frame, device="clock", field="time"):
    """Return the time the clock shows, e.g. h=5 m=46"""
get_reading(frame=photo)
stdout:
h=6 m=25
